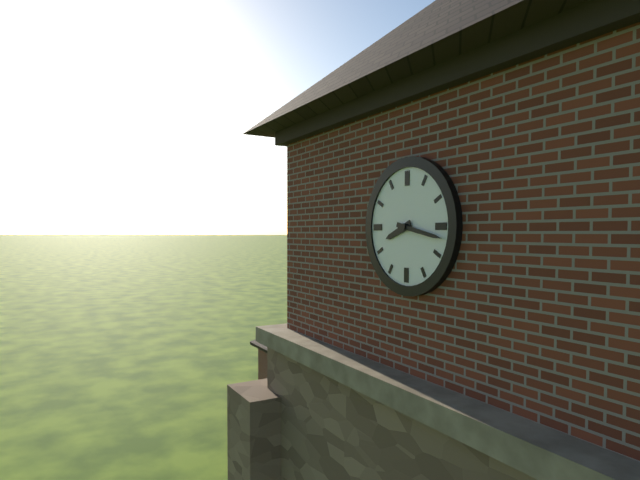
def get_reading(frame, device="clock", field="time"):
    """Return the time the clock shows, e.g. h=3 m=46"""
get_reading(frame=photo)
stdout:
h=8 m=17
